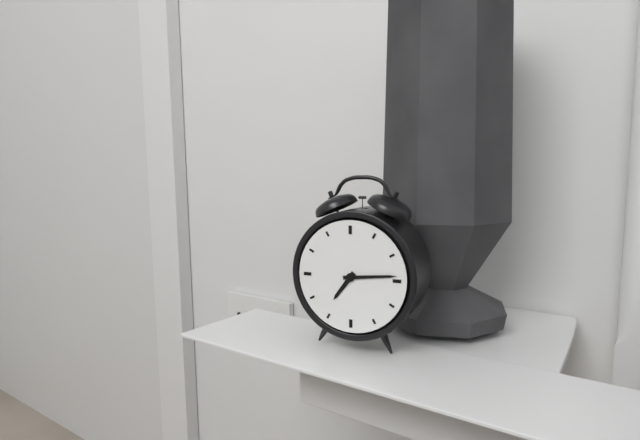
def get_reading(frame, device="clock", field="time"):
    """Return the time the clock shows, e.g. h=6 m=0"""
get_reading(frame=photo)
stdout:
h=7 m=14
